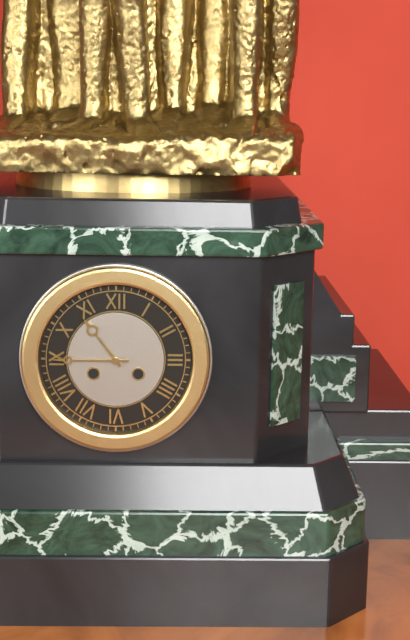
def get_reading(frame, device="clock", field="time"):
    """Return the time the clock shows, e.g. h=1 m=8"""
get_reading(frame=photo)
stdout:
h=10 m=45
